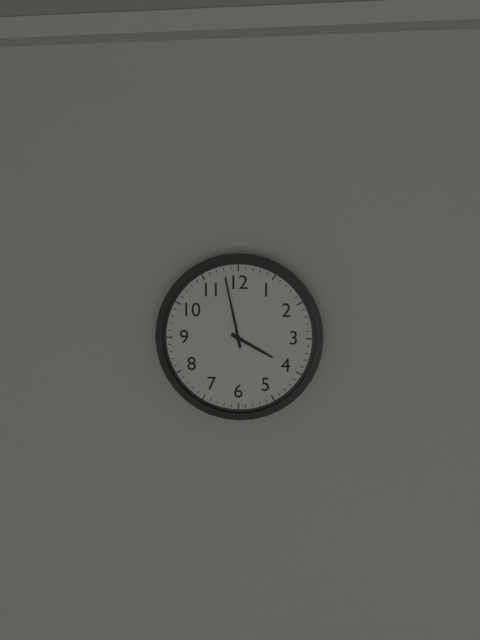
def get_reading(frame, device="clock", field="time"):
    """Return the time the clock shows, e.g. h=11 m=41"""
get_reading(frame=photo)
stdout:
h=3 m=58
